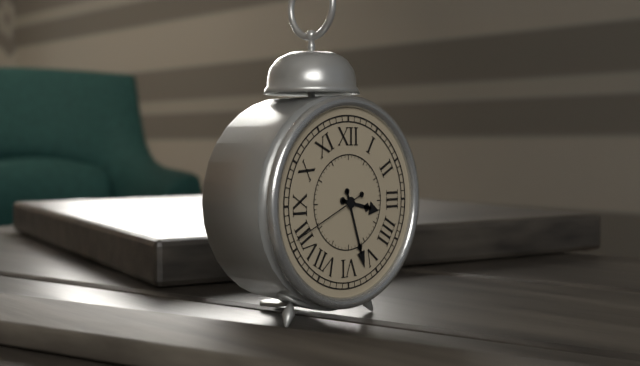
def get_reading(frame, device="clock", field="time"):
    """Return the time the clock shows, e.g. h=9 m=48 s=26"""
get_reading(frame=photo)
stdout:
h=3 m=27 s=41
